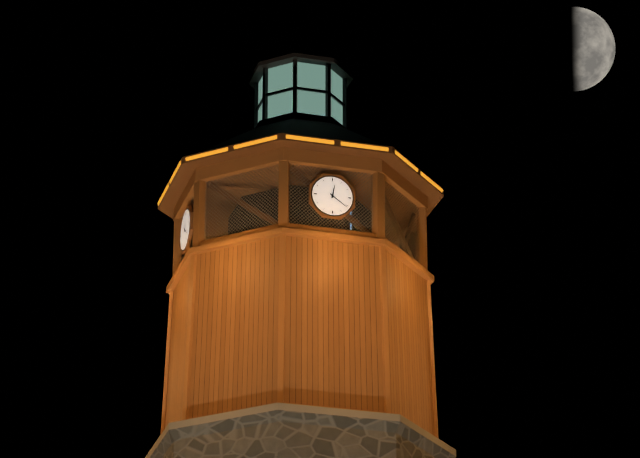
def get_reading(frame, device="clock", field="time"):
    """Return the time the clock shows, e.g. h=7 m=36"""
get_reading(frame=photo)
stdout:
h=12 m=21
